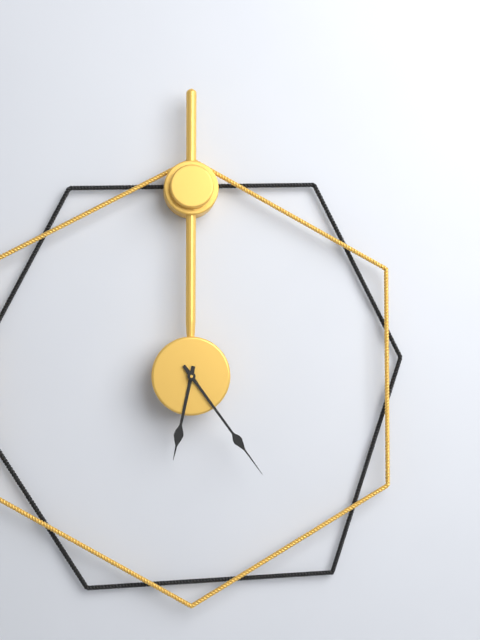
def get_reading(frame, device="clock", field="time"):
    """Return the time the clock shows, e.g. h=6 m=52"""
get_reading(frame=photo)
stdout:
h=6 m=24
